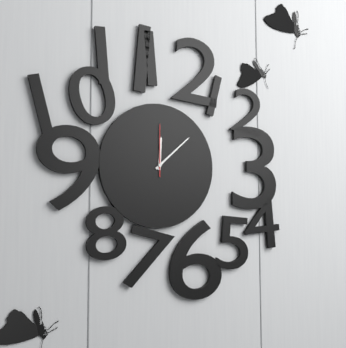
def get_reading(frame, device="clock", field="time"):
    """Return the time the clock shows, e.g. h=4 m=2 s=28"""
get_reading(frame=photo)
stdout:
h=12 m=8 s=0
